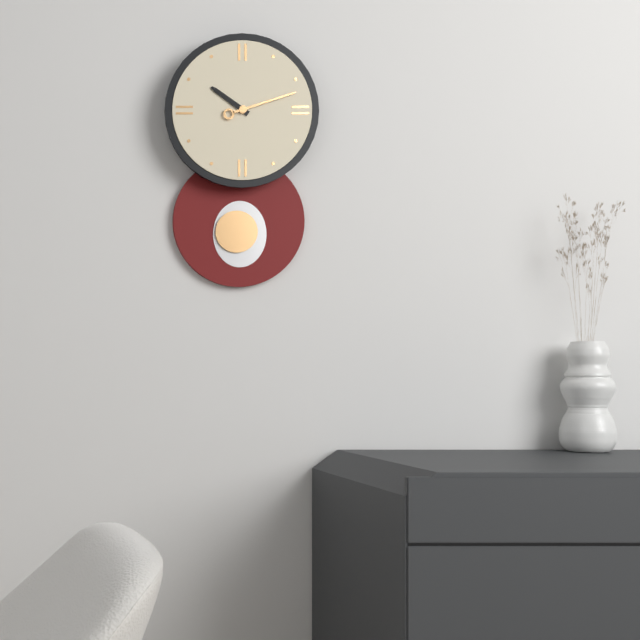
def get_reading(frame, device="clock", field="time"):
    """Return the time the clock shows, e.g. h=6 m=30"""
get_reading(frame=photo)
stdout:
h=10 m=12
